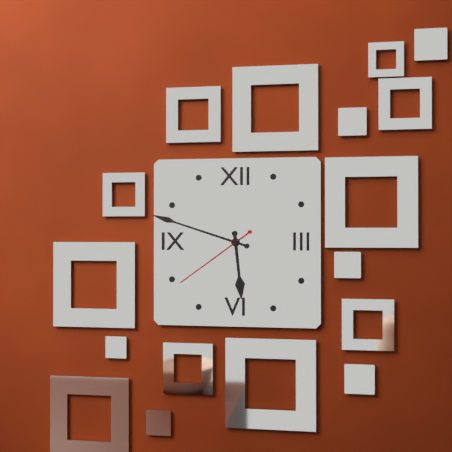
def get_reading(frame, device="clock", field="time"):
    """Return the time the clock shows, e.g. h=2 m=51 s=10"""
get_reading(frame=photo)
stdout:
h=5 m=48 s=39
